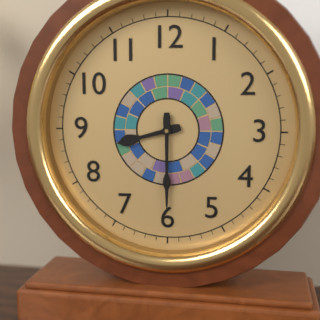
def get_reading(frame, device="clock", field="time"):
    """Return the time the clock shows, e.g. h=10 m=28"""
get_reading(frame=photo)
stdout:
h=8 m=30
